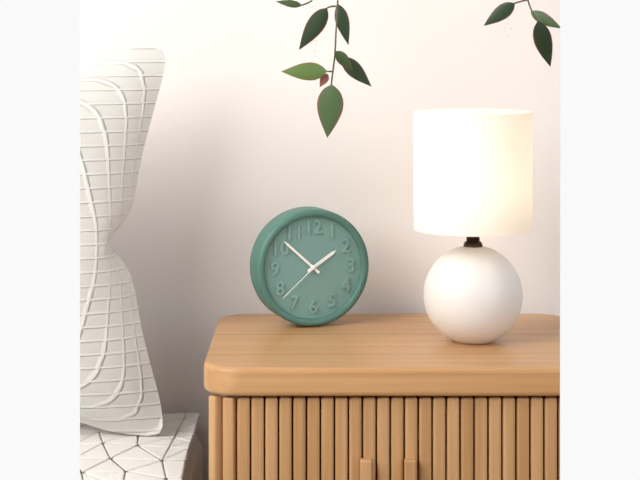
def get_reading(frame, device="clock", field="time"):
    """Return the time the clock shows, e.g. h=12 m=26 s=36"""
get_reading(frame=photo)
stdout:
h=1 m=52 s=38
